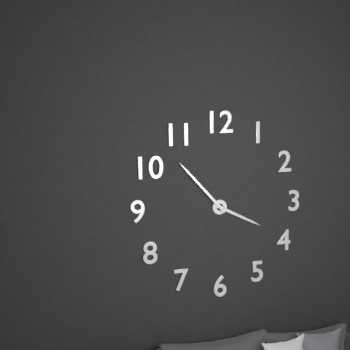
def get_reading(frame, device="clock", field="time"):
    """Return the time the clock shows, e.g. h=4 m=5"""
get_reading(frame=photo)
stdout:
h=3 m=53
